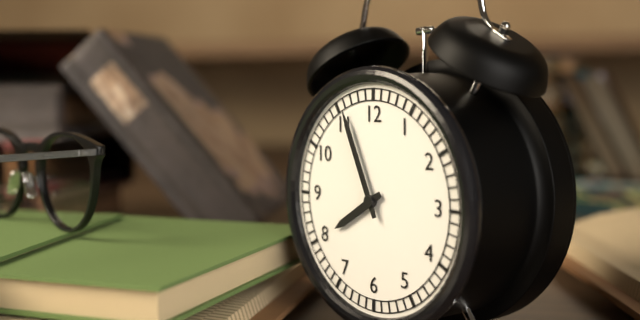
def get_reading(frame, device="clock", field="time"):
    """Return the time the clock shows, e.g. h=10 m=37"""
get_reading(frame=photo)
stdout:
h=7 m=56
